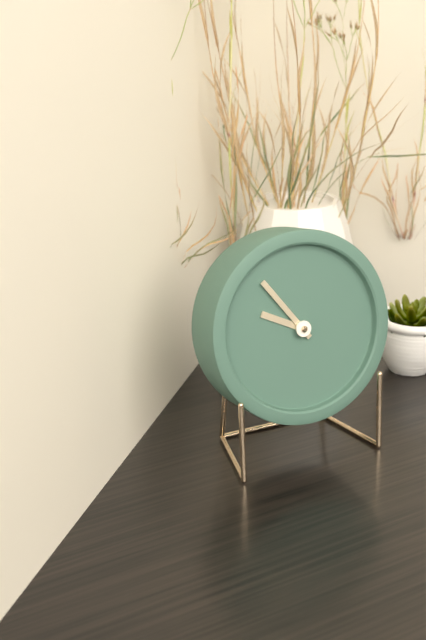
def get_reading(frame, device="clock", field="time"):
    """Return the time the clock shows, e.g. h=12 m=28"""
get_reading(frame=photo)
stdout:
h=9 m=54
